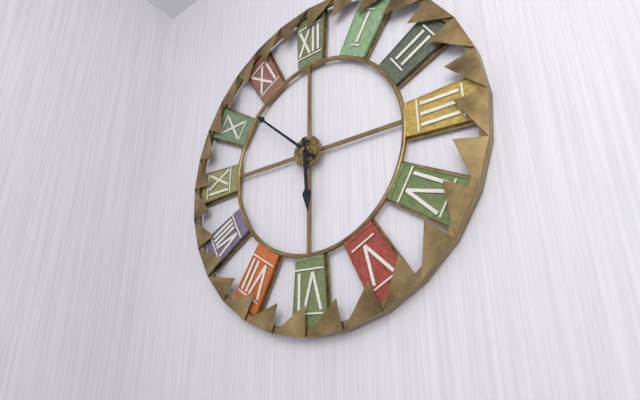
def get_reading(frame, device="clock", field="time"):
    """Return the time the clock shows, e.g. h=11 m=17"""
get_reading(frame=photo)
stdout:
h=5 m=52
